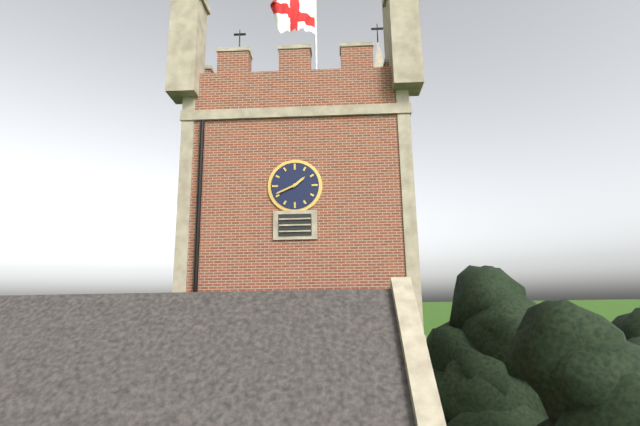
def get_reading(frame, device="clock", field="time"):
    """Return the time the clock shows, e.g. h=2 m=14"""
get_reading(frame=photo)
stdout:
h=1 m=41
